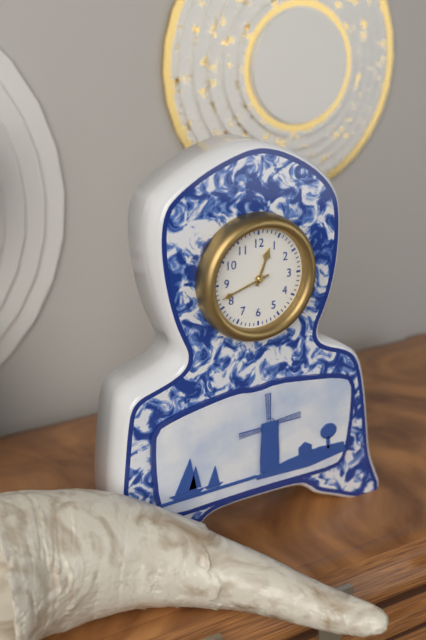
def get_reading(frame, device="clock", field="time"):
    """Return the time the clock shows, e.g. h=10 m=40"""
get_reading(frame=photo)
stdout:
h=12 m=42
